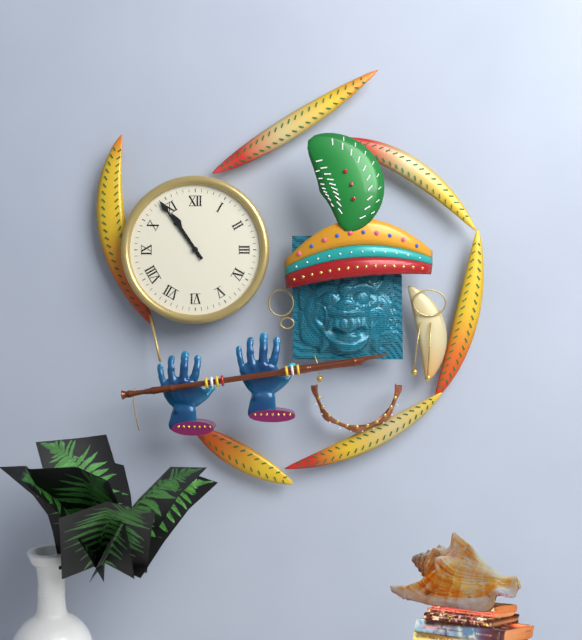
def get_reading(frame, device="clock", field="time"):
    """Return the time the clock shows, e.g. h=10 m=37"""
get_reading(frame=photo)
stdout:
h=10 m=54
